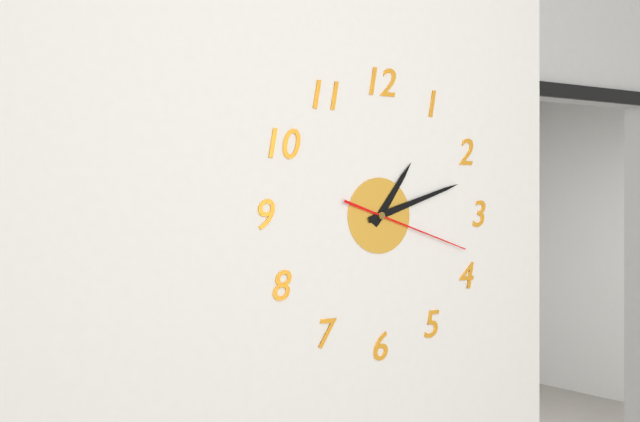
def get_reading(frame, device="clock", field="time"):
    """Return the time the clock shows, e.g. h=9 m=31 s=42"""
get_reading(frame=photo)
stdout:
h=1 m=12 s=18
